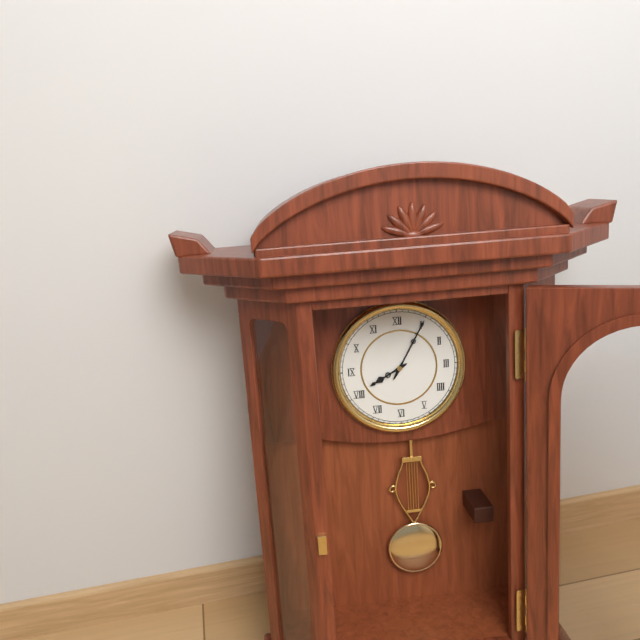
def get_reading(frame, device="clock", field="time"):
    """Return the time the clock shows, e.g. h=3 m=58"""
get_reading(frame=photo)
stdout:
h=8 m=5
